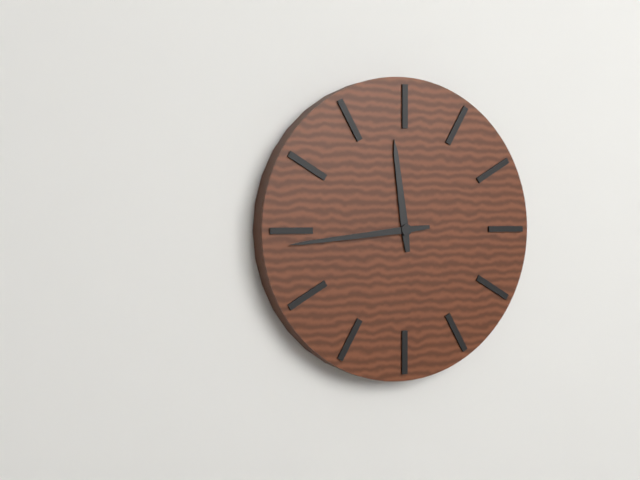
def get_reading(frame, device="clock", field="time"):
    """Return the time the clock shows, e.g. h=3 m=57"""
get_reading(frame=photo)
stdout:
h=11 m=44
